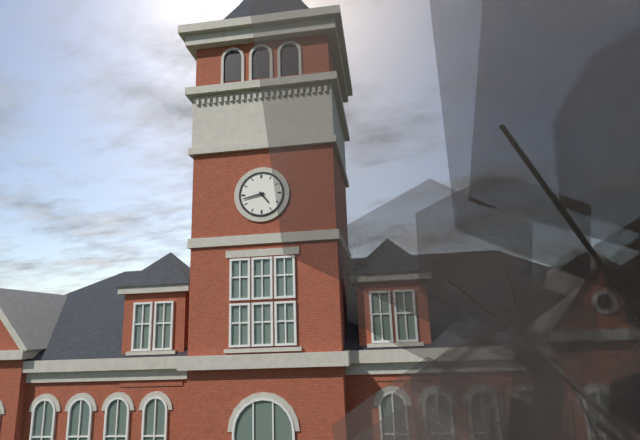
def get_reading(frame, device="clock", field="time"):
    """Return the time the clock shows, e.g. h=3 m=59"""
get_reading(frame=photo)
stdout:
h=4 m=43
